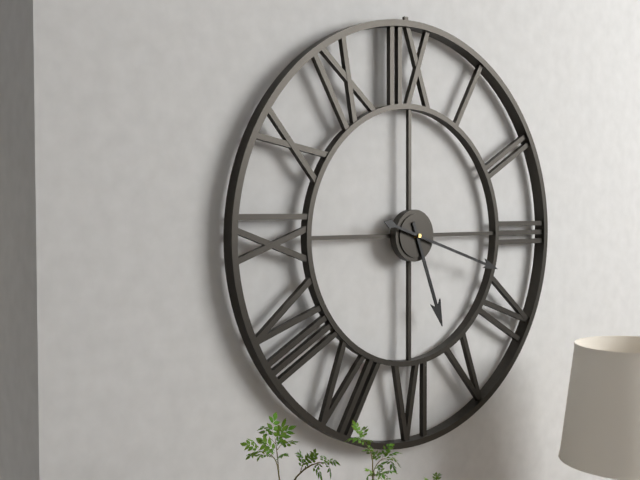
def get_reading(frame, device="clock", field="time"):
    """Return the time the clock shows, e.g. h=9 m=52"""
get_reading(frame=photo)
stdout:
h=5 m=18
